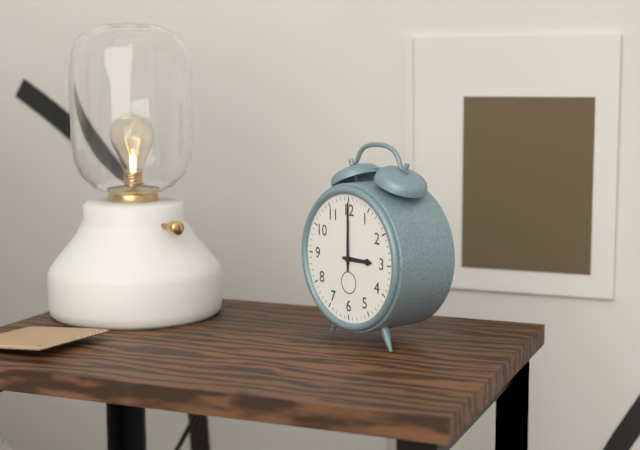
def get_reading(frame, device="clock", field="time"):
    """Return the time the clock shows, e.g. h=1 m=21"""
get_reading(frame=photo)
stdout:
h=3 m=0
